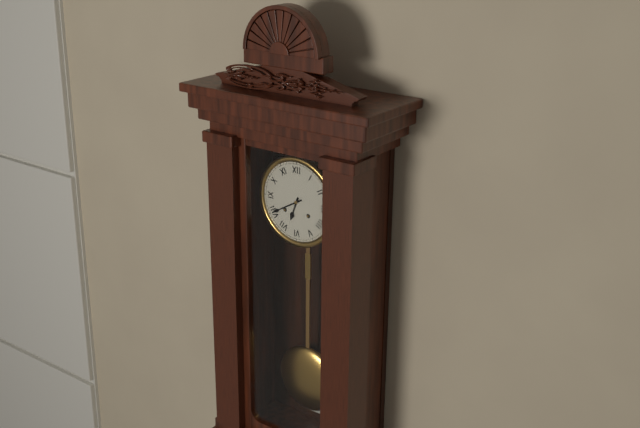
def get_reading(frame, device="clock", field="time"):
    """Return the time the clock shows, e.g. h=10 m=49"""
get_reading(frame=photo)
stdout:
h=6 m=40
